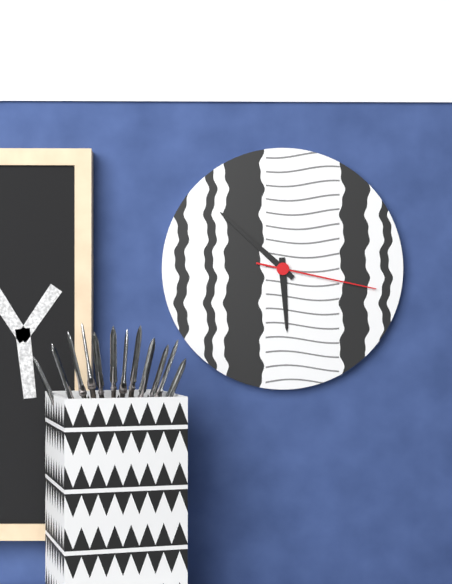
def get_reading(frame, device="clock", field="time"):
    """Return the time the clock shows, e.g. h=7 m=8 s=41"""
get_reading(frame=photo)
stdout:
h=5 m=52 s=17
